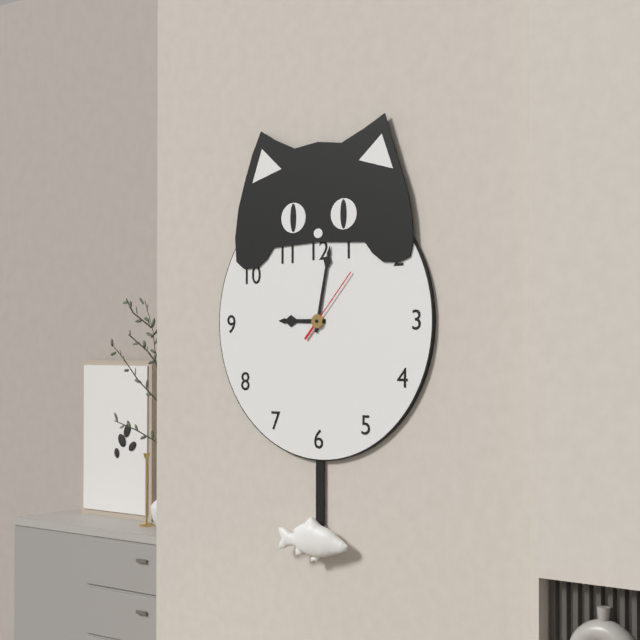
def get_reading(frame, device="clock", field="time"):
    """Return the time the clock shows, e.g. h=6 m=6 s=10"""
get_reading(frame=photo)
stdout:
h=9 m=2 s=7
